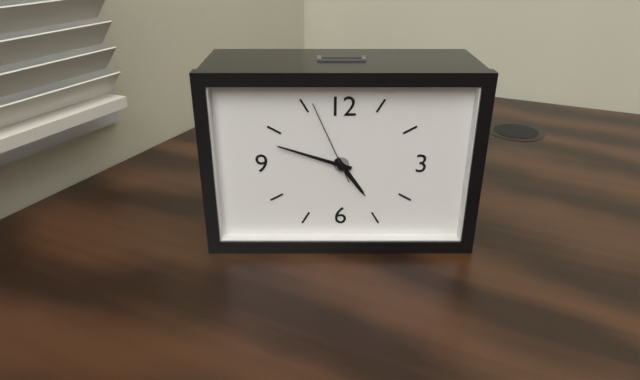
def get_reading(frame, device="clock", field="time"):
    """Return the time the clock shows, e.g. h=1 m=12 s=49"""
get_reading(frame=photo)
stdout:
h=4 m=48 s=56
